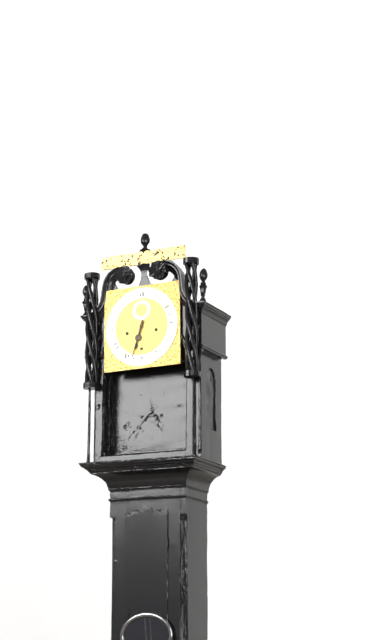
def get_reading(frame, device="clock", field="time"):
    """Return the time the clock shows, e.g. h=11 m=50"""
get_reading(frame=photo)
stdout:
h=6 m=33
